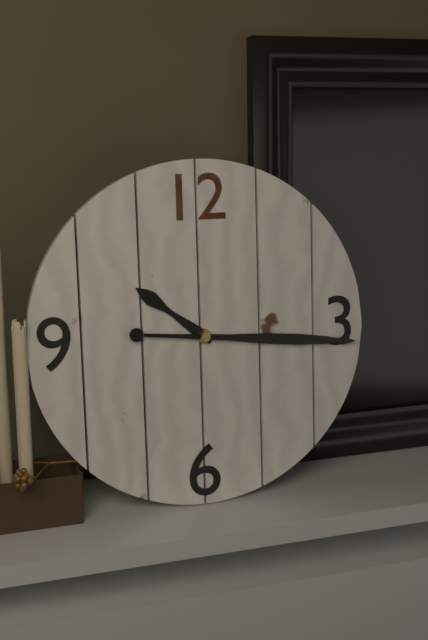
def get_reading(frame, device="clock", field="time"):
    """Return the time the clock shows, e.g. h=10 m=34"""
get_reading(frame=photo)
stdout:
h=10 m=16
